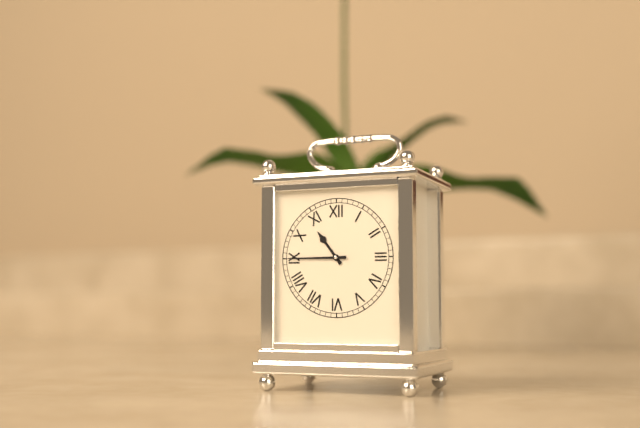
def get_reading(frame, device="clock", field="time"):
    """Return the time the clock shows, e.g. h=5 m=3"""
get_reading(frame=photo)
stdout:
h=10 m=45
